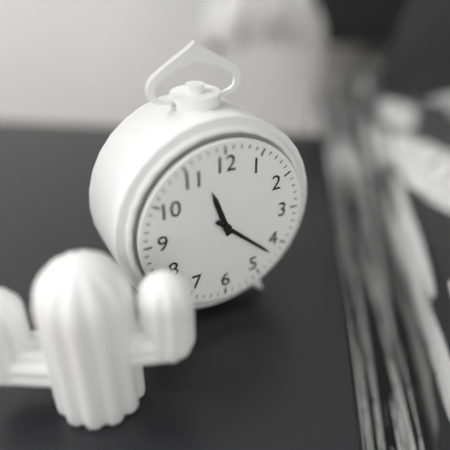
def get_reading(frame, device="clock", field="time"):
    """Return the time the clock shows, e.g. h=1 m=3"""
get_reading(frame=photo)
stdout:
h=11 m=22
